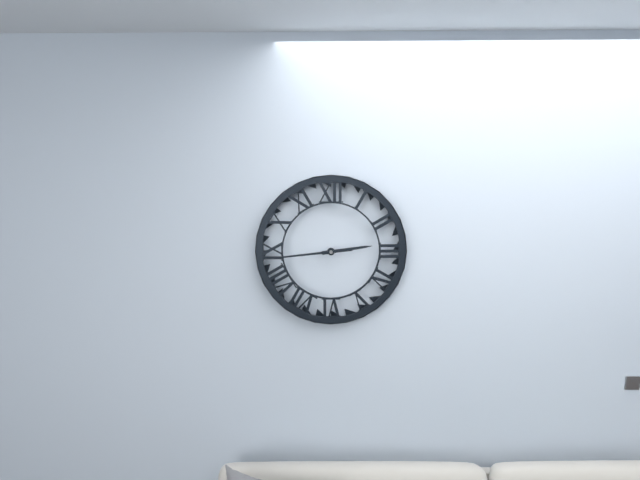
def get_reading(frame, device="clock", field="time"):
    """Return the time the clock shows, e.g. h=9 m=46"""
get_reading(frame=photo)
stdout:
h=2 m=44
